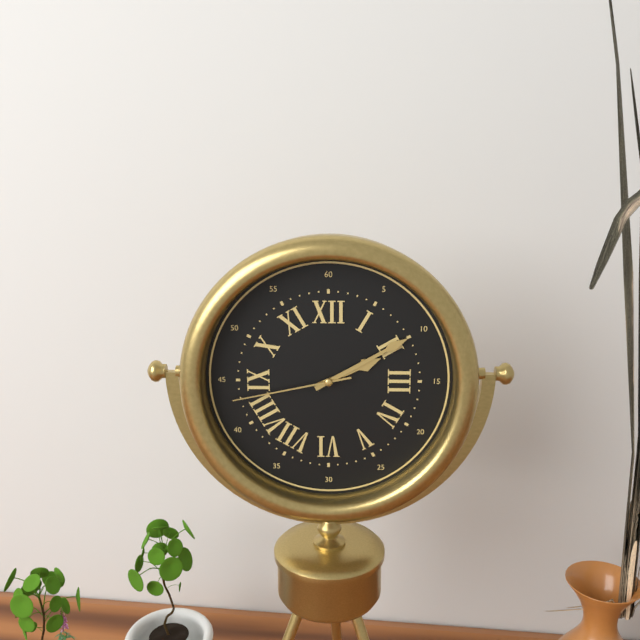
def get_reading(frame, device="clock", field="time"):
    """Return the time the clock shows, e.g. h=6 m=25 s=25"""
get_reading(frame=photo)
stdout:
h=2 m=10 s=43
